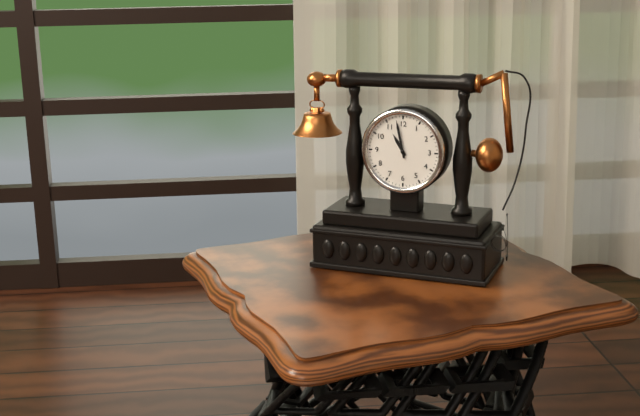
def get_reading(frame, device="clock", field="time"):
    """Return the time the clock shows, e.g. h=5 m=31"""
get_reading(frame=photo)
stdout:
h=10 m=58
